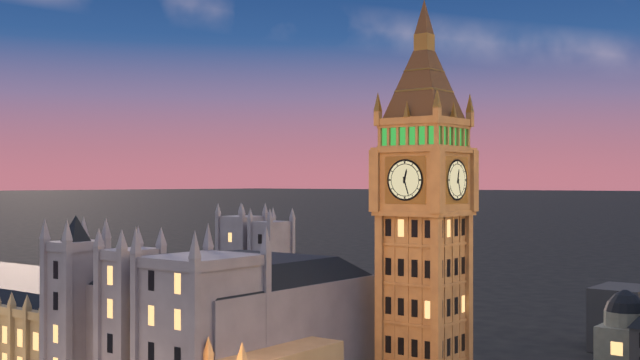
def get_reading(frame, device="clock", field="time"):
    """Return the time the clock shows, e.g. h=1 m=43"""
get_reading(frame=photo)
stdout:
h=12 m=27
